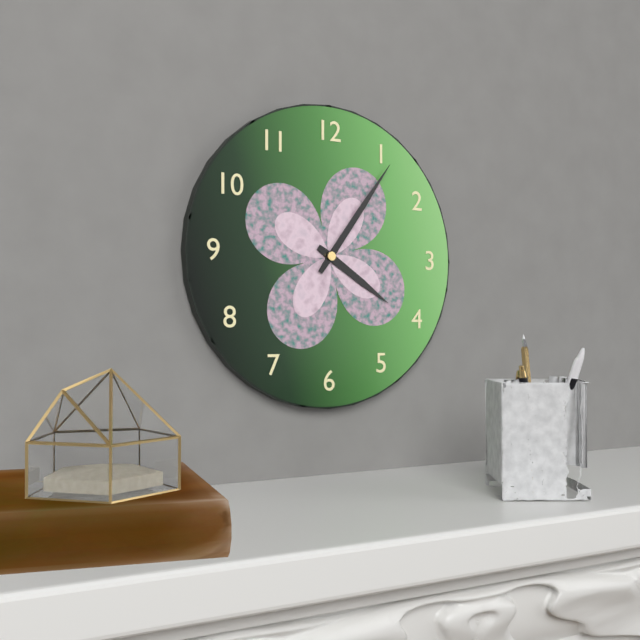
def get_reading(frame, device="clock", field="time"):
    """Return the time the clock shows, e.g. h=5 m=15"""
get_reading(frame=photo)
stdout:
h=4 m=6
